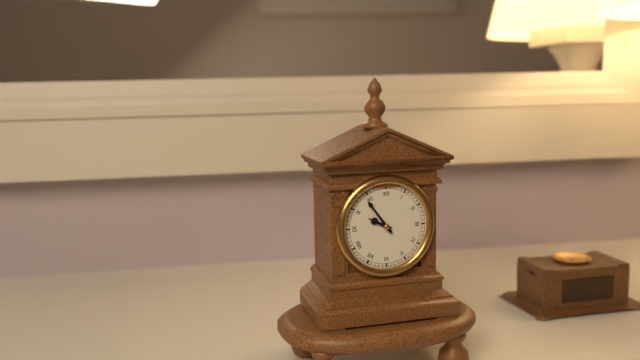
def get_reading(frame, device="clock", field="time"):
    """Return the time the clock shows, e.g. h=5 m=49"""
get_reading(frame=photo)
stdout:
h=9 m=54
